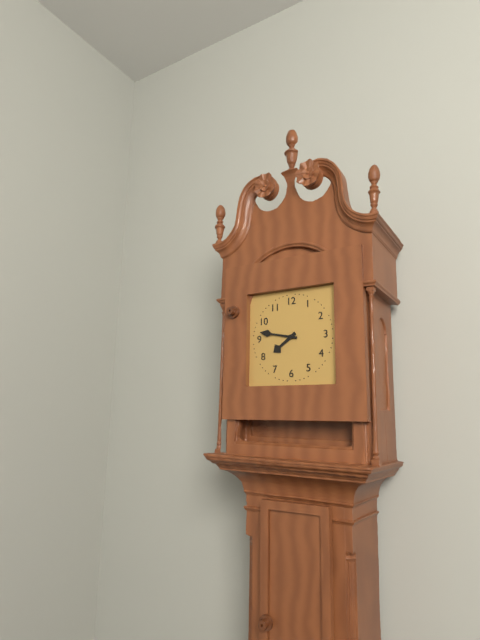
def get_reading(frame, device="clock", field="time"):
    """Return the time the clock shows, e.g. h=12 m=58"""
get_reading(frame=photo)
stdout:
h=7 m=47
